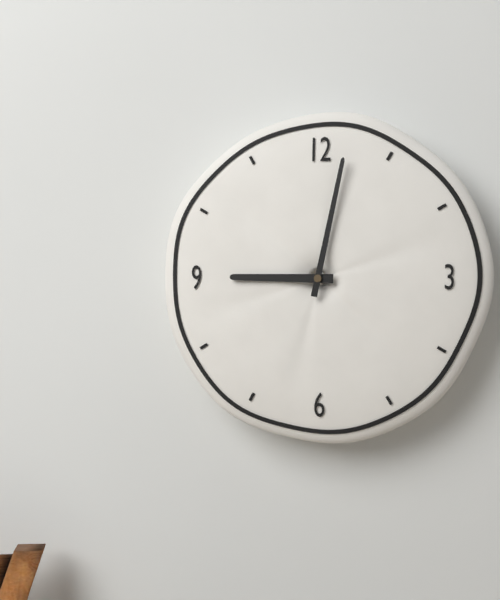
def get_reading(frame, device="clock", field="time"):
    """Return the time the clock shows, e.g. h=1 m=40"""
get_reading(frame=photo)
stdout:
h=9 m=2
